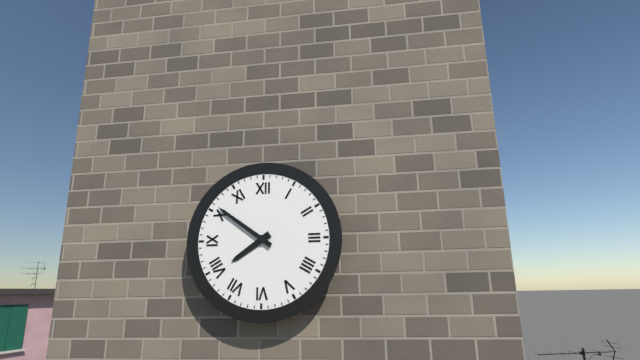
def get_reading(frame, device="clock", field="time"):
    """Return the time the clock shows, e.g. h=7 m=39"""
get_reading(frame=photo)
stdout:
h=7 m=51
